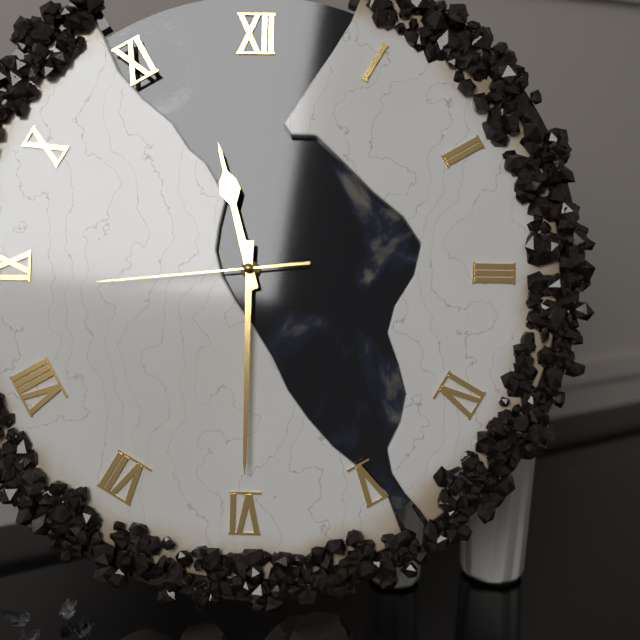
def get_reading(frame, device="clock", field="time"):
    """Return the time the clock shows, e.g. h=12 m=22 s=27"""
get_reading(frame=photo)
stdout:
h=11 m=30 s=44
